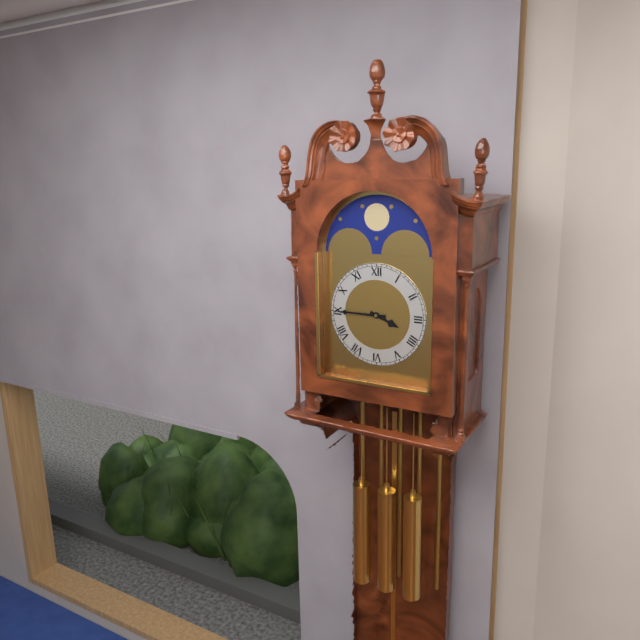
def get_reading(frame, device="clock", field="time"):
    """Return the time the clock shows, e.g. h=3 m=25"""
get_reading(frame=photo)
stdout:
h=3 m=45
